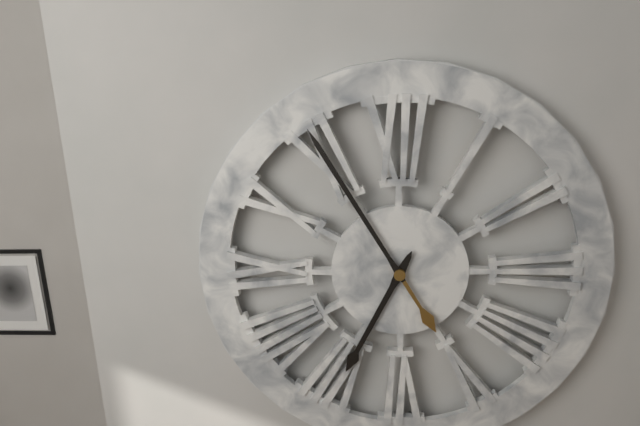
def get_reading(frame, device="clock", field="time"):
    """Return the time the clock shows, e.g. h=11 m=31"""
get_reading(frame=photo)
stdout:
h=6 m=55
